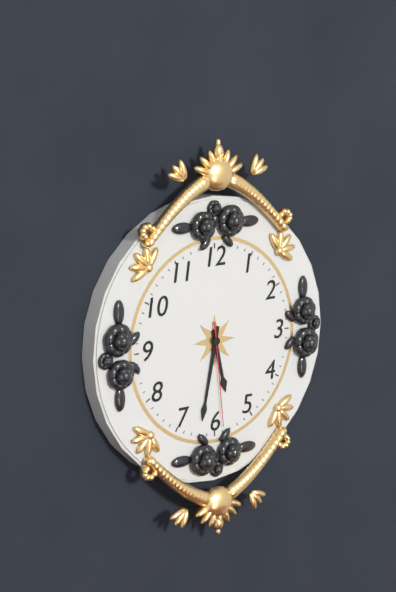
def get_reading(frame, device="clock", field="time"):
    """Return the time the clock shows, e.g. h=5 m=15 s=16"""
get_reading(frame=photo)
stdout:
h=5 m=32 s=29
